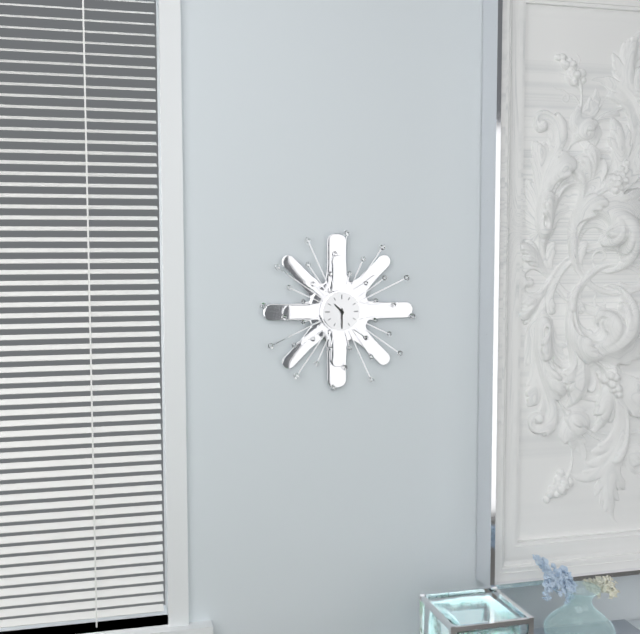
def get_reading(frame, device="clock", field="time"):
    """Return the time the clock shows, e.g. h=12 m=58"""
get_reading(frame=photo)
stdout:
h=10 m=30
